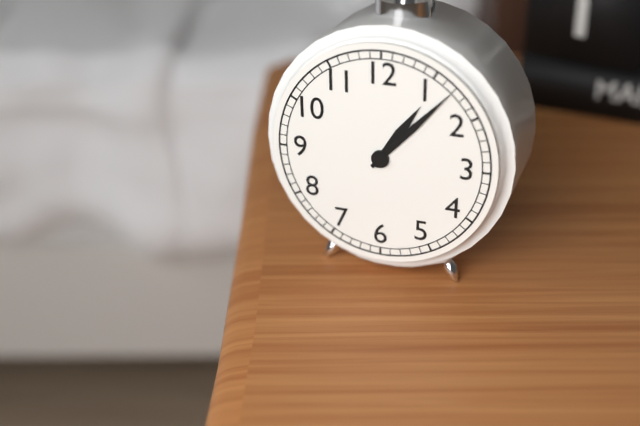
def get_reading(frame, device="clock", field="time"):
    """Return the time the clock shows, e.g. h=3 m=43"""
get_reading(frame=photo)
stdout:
h=1 m=7
